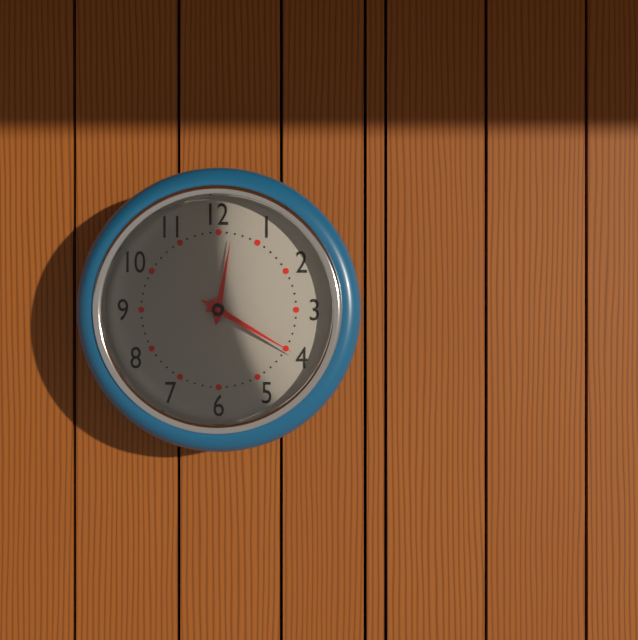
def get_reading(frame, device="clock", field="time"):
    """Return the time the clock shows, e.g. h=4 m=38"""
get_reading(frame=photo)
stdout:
h=12 m=20
